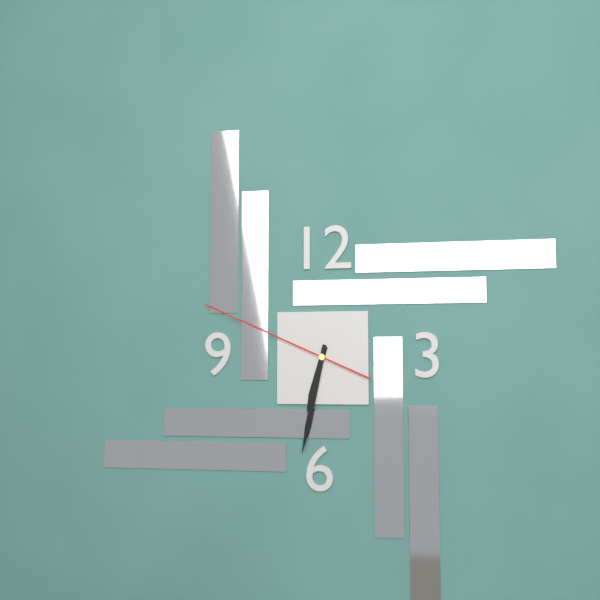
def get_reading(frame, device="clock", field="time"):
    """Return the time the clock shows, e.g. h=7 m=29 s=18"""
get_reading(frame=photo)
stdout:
h=6 m=32 s=49
